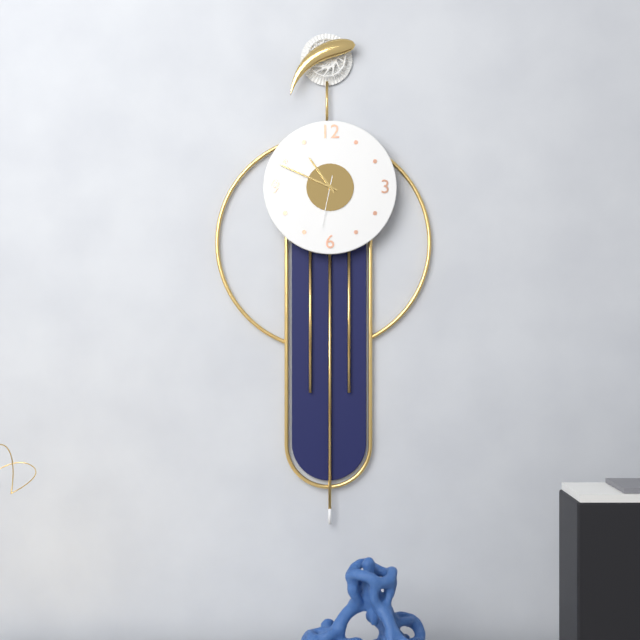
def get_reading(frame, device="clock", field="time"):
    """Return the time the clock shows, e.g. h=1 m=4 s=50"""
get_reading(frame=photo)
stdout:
h=10 m=49 s=32
